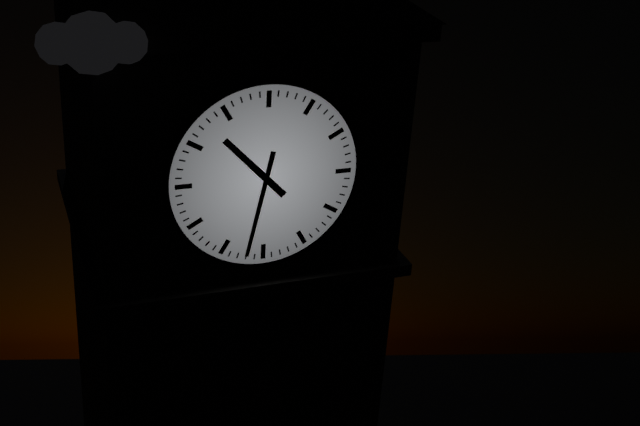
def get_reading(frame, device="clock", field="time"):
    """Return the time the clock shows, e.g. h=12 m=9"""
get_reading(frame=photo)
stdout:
h=10 m=32
